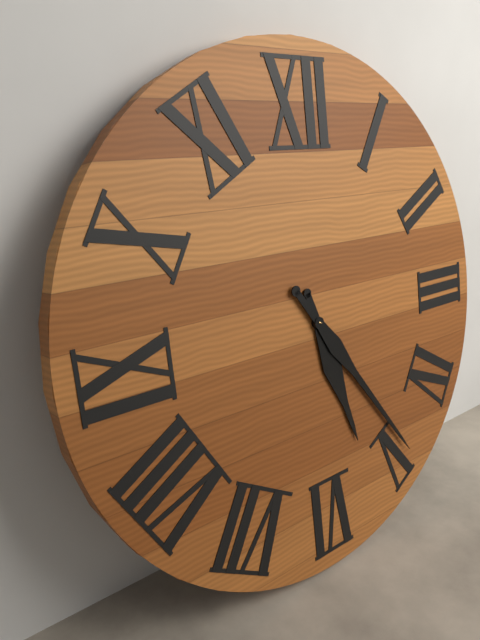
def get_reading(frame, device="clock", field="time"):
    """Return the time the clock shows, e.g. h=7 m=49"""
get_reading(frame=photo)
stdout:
h=5 m=24
